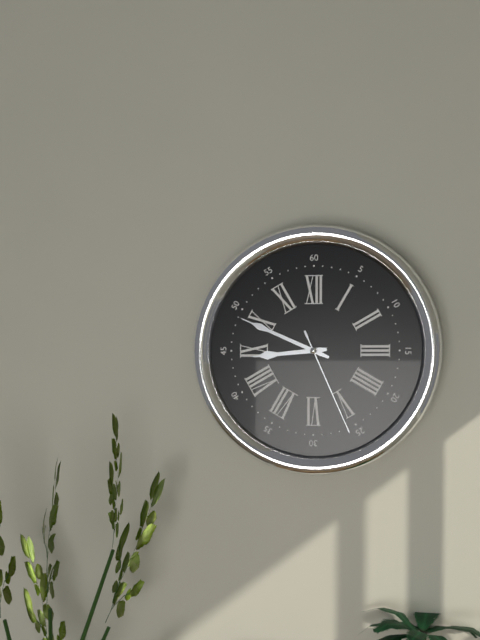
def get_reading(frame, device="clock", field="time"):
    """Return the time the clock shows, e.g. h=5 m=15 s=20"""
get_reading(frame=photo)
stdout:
h=8 m=49 s=26
